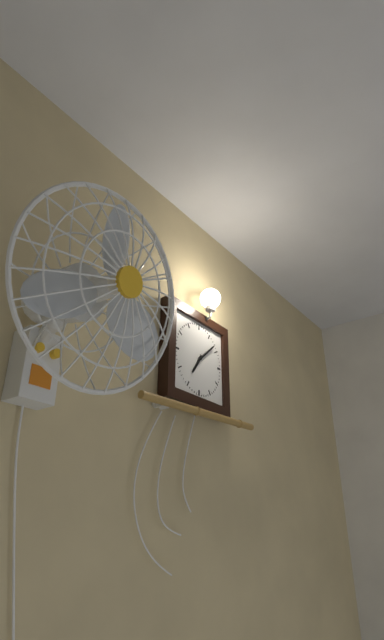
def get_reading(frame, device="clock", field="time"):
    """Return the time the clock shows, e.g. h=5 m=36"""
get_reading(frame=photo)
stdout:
h=7 m=8
